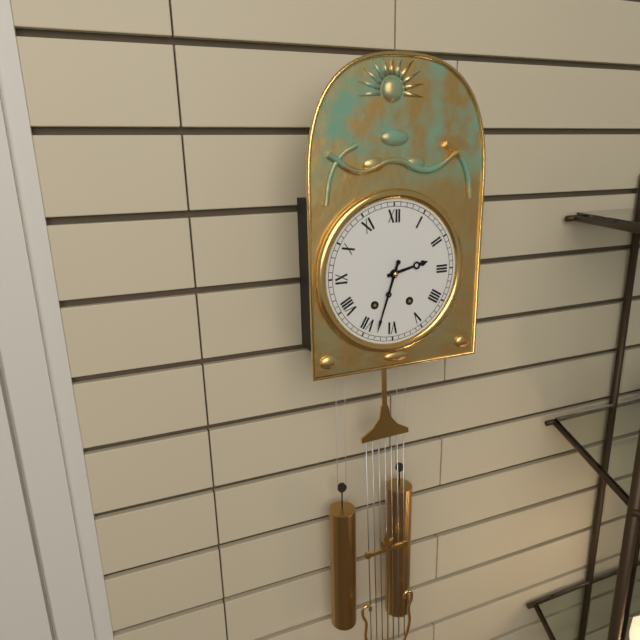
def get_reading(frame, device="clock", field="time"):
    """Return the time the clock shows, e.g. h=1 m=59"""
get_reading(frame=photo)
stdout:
h=2 m=33
